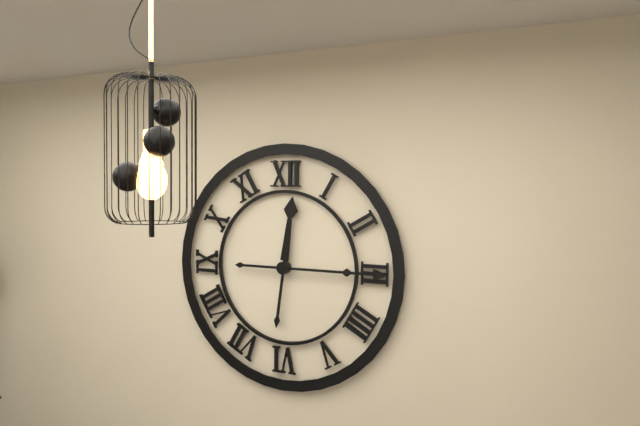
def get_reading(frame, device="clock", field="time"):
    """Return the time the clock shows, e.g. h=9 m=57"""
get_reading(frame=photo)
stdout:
h=12 m=15
